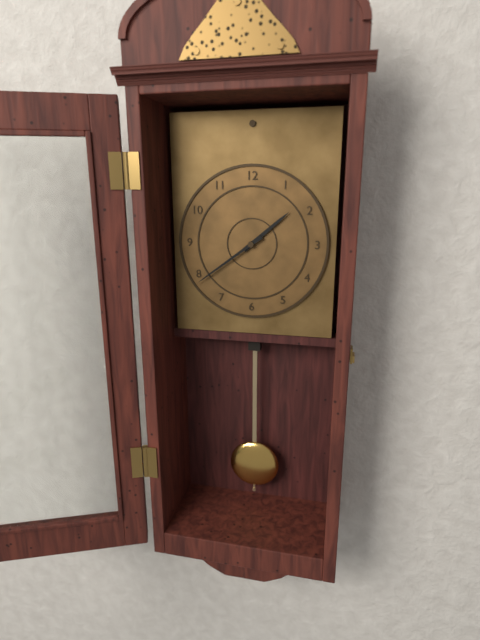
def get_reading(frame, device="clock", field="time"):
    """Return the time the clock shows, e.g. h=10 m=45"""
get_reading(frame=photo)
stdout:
h=1 m=39
